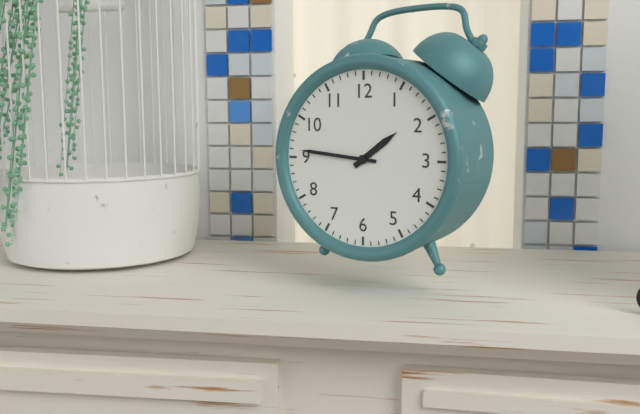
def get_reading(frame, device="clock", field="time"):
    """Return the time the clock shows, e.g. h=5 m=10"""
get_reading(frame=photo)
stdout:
h=1 m=46
